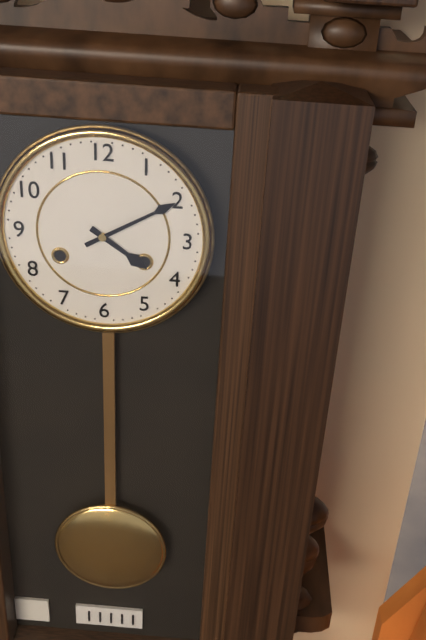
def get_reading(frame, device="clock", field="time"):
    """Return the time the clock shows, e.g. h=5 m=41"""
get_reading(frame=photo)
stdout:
h=4 m=10
